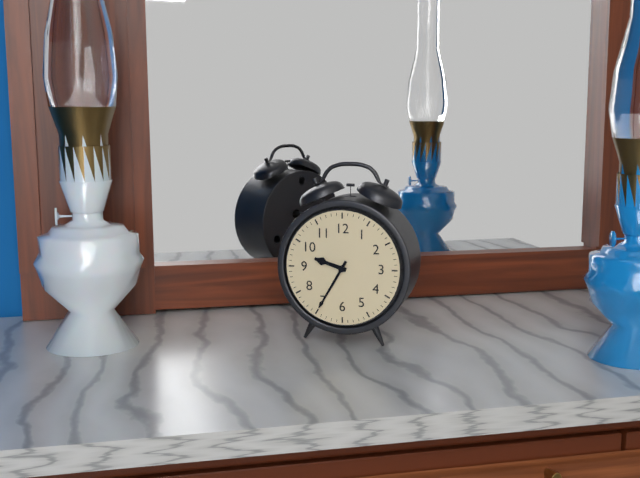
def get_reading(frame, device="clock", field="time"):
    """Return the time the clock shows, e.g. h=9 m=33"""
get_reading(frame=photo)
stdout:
h=9 m=35
